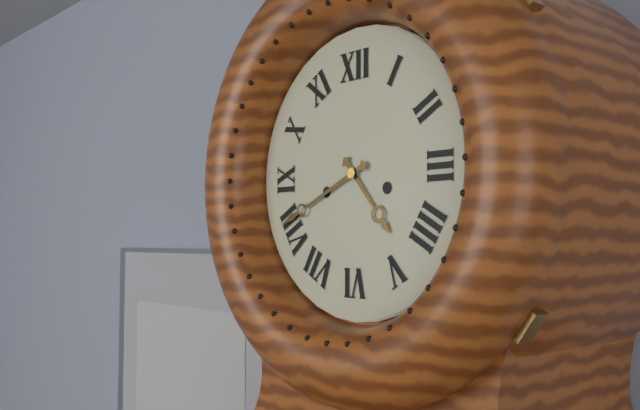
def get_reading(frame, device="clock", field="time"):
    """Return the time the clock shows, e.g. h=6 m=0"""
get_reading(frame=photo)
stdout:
h=4 m=41
